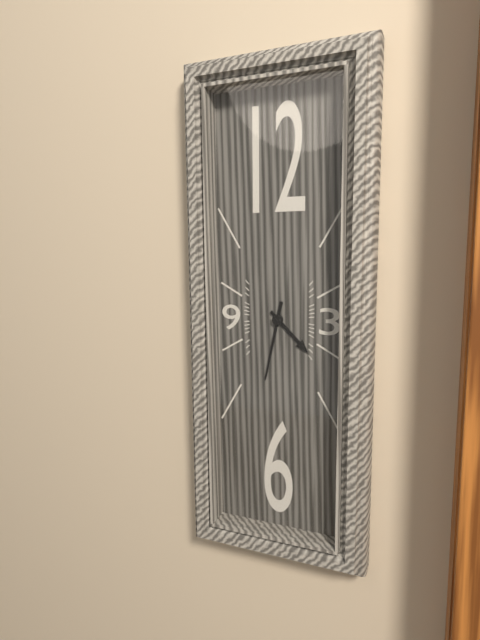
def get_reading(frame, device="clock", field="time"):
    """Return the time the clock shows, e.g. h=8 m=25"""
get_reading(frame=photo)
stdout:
h=4 m=32
